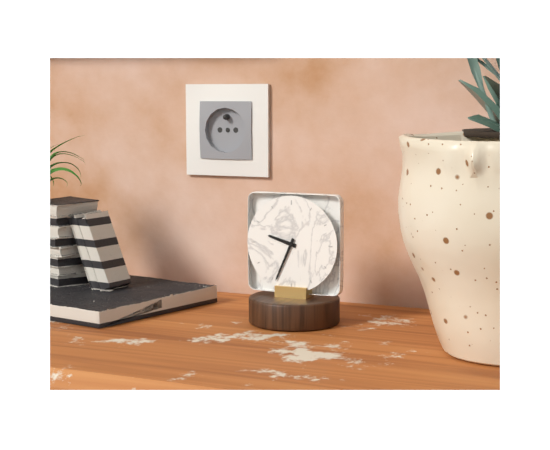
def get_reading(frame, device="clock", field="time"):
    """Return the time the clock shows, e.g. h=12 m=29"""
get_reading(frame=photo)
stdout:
h=9 m=34
